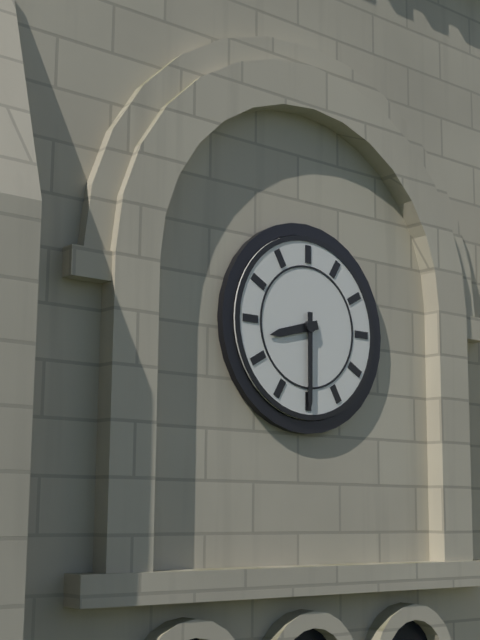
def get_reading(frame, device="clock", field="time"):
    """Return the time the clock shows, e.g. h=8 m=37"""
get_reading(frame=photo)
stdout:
h=8 m=30
